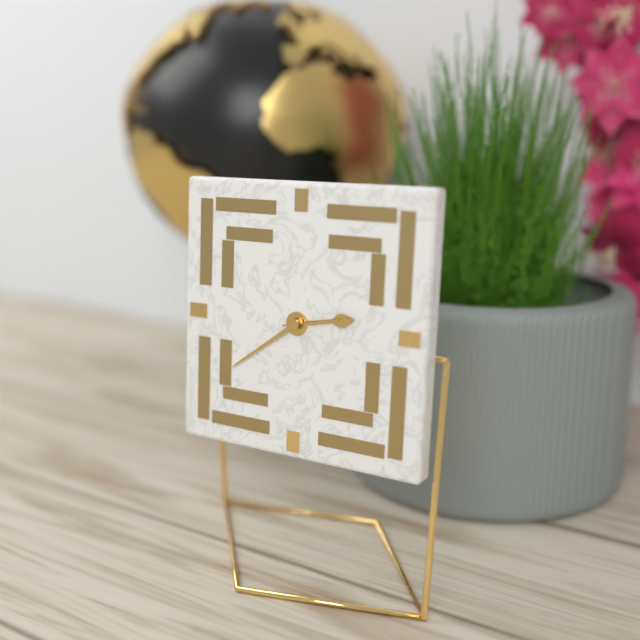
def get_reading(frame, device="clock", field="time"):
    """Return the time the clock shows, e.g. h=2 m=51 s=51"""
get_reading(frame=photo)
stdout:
h=2 m=39 s=13
